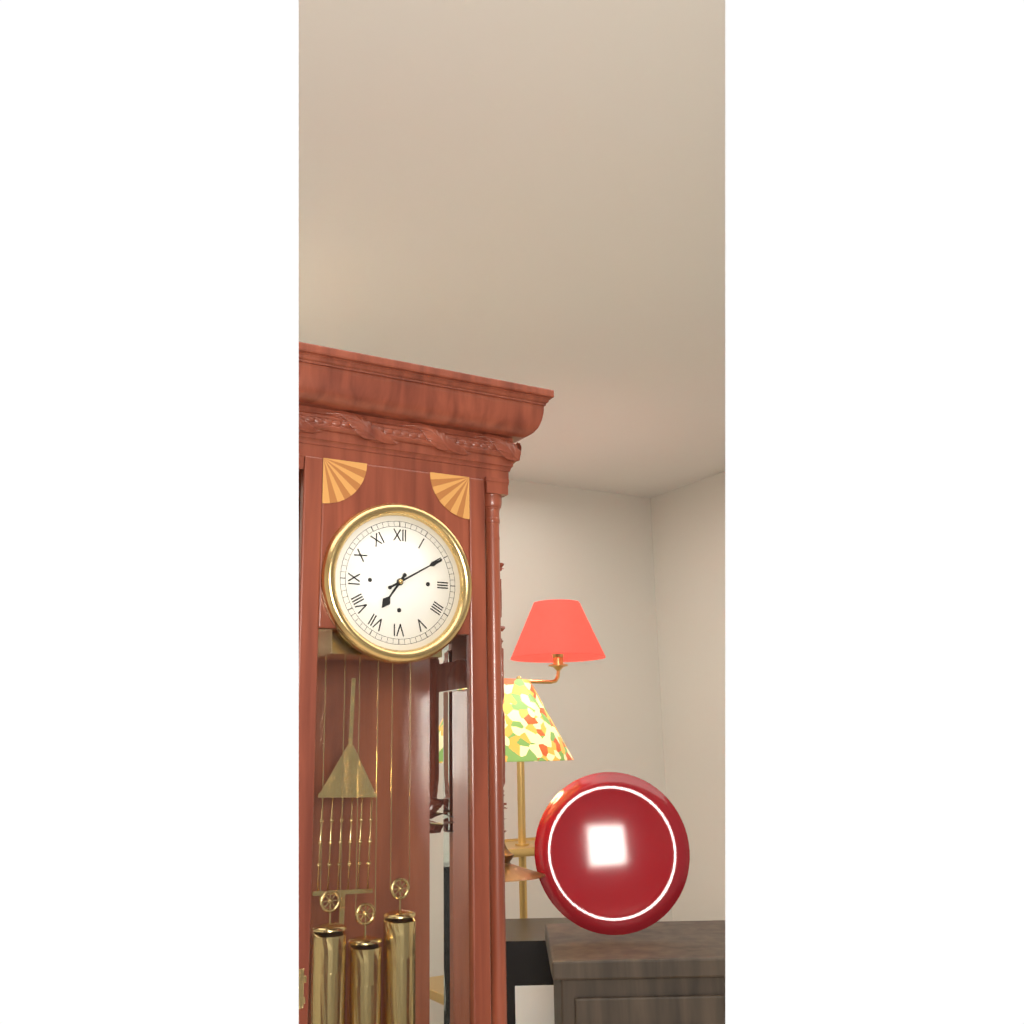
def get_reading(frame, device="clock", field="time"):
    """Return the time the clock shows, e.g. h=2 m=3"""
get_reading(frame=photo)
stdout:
h=7 m=10
